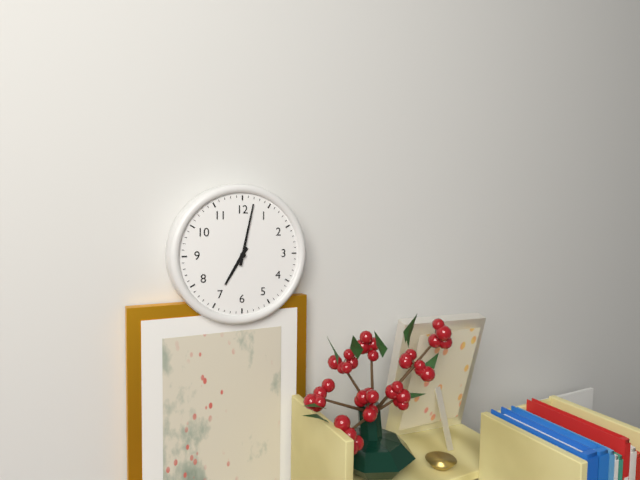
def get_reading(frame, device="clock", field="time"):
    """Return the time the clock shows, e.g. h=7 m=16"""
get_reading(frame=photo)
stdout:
h=7 m=2
